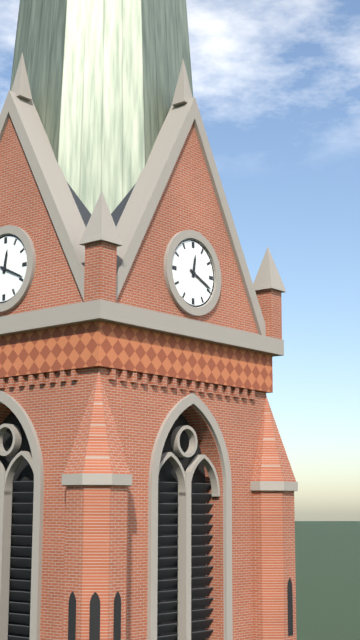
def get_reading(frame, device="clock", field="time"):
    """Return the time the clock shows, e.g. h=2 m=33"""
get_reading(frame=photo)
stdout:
h=12 m=19
